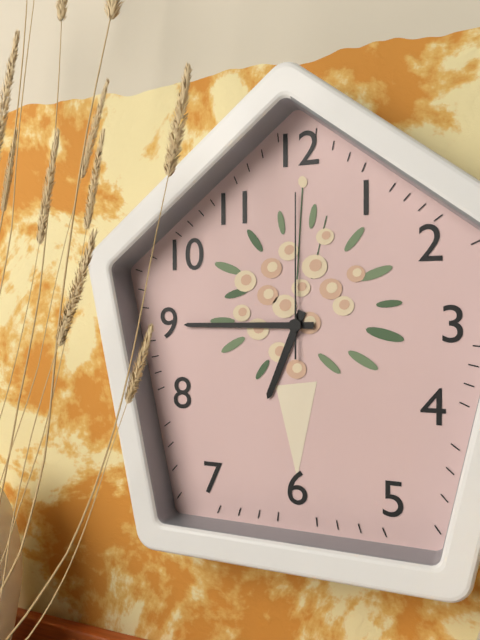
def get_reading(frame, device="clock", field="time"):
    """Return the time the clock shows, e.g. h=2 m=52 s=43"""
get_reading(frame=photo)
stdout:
h=6 m=45 s=0
